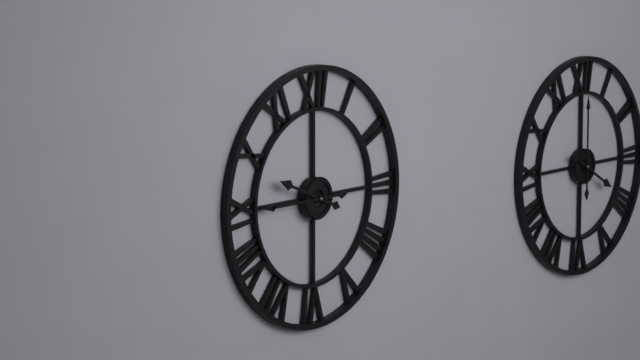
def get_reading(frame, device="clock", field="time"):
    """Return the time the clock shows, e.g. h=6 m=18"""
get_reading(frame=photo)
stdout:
h=9 m=45
